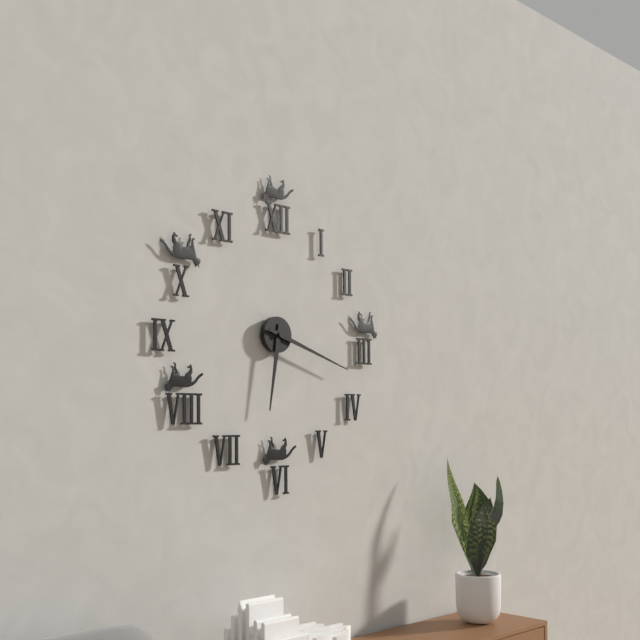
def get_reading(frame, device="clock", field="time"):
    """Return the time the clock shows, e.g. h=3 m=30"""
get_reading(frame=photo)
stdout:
h=6 m=18
